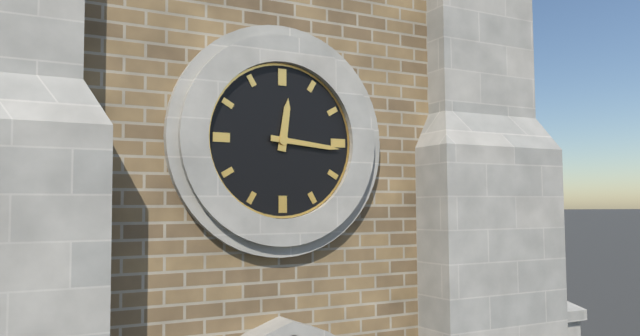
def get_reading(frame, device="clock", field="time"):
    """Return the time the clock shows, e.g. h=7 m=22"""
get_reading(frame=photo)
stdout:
h=12 m=16
